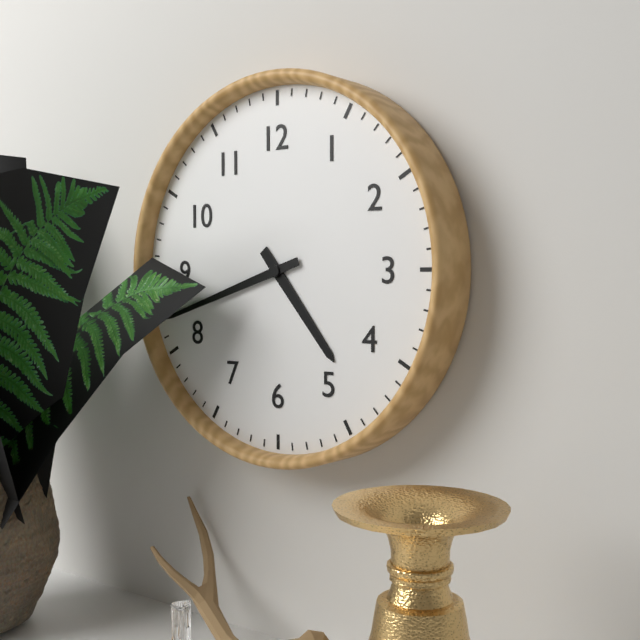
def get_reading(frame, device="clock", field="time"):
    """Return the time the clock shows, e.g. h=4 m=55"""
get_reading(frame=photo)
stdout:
h=4 m=42
